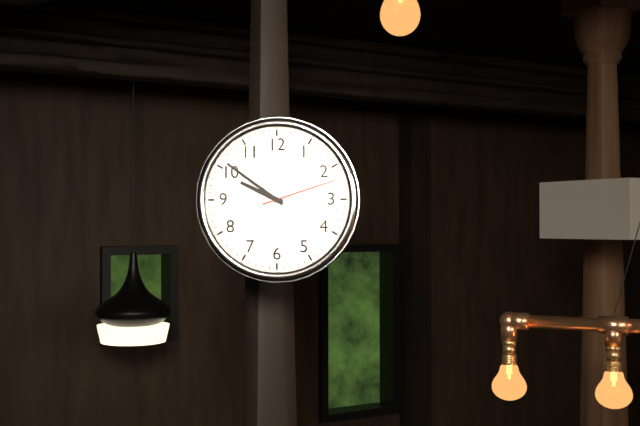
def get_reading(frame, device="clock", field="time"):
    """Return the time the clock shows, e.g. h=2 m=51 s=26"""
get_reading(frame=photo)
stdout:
h=9 m=51 s=12
